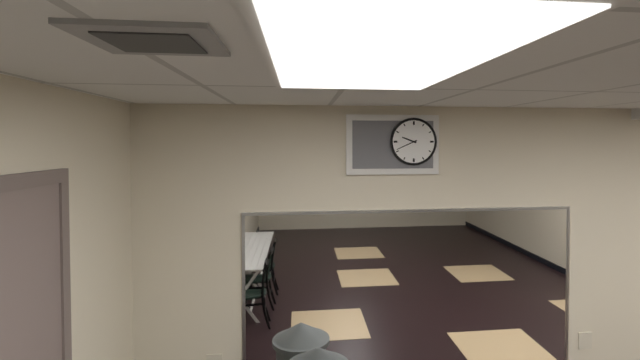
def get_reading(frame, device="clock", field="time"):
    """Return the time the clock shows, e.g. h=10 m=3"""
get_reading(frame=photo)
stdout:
h=9 m=41
